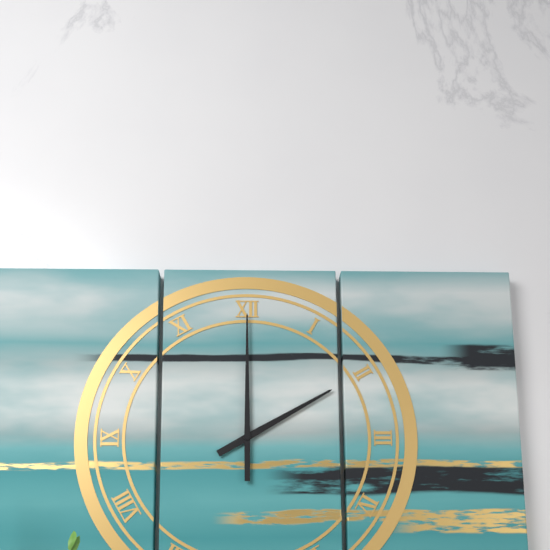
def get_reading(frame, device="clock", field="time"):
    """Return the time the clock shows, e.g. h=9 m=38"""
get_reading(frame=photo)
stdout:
h=2 m=0
